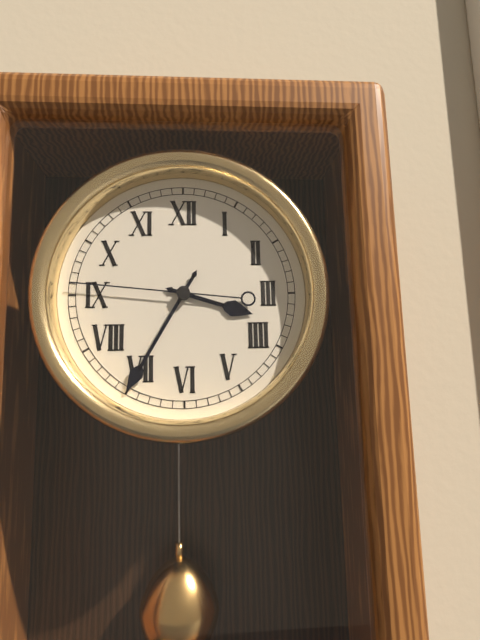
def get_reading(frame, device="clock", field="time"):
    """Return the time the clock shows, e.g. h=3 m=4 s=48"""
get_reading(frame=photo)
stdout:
h=3 m=35 s=46
